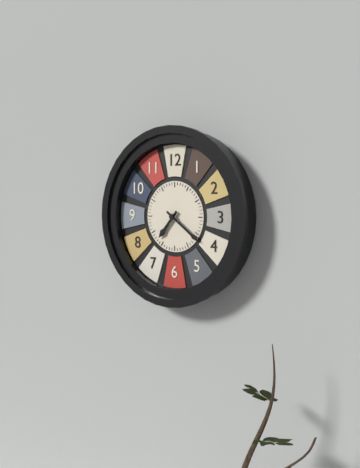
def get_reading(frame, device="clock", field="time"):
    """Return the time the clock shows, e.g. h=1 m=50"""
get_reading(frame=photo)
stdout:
h=7 m=21
